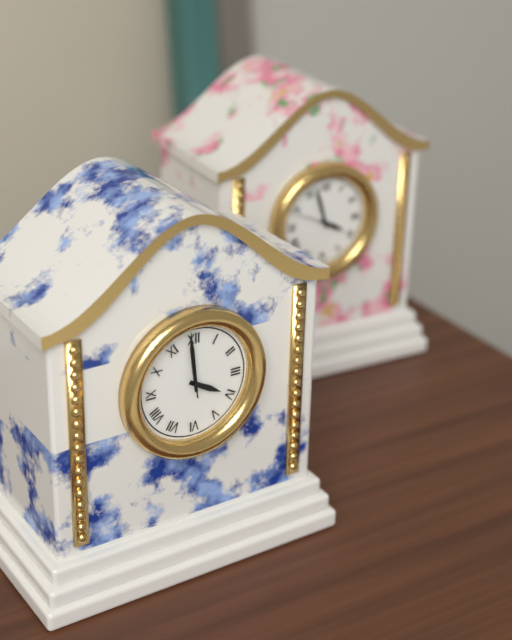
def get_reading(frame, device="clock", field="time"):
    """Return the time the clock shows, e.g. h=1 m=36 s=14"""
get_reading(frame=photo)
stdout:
h=3 m=59 s=59
